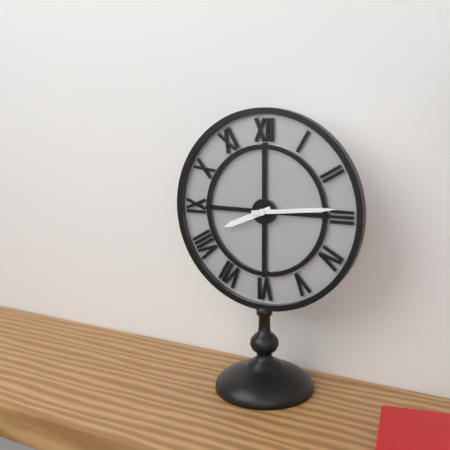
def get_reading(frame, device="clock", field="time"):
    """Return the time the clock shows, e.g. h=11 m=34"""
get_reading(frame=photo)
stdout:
h=8 m=14
